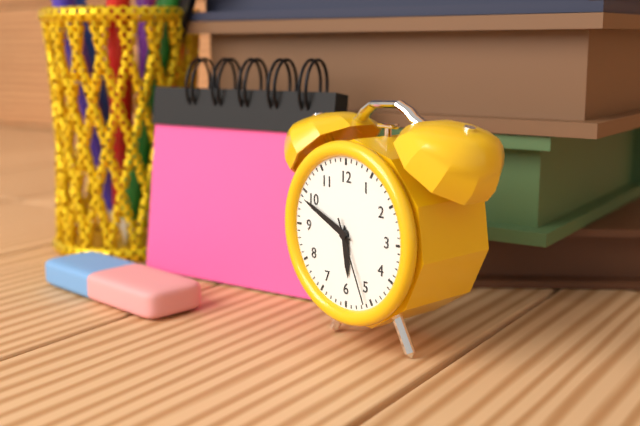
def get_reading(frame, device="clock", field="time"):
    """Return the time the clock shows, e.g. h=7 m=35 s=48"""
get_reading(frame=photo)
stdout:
h=5 m=49 s=26
